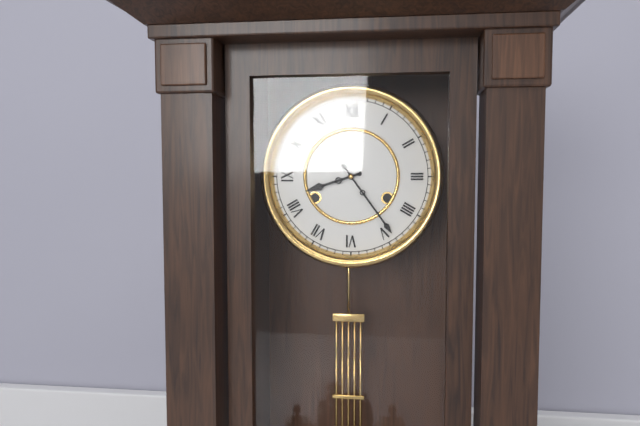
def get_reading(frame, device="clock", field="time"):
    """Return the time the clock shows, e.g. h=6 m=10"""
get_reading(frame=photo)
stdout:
h=8 m=24
